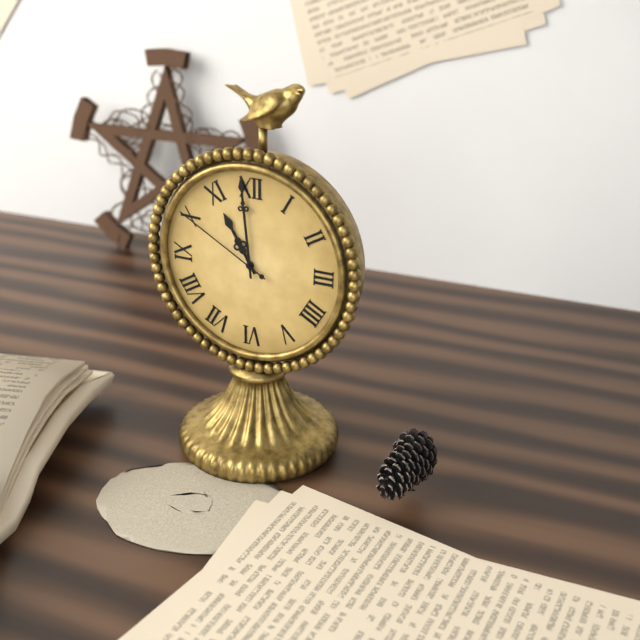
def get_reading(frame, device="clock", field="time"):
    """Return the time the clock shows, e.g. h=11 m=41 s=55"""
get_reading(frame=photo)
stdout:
h=10 m=59 s=50
